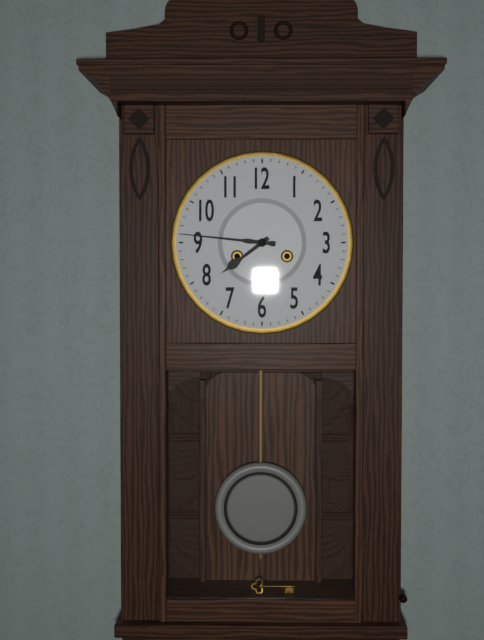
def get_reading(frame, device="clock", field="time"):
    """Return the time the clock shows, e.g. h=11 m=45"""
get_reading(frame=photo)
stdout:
h=7 m=46
